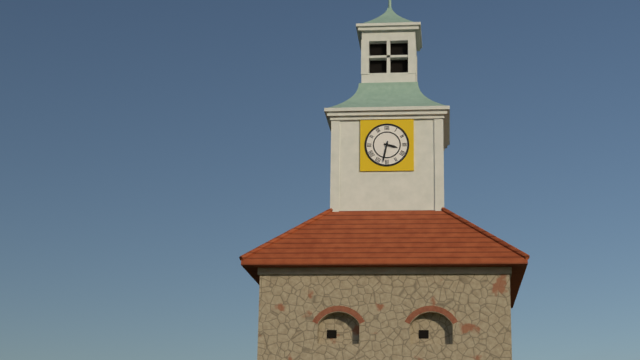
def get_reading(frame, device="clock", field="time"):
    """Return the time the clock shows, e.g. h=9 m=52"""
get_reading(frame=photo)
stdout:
h=3 m=32
